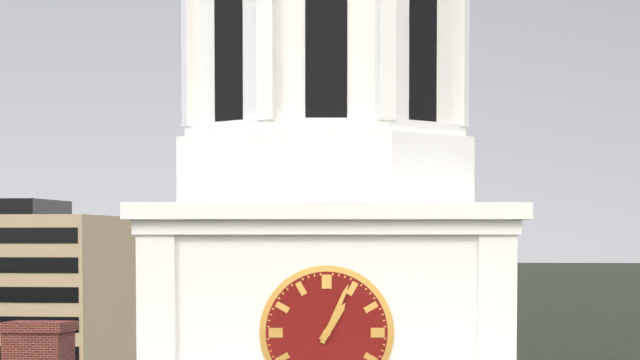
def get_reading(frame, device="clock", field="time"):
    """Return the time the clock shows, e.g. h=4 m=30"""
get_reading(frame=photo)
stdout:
h=1 m=4
